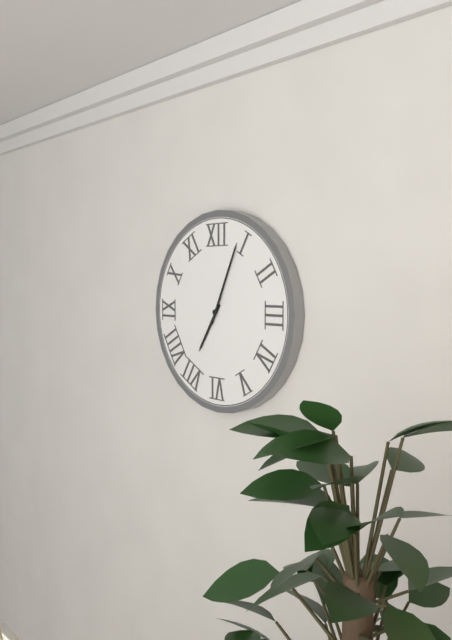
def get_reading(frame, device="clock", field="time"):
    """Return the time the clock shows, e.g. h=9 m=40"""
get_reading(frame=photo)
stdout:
h=7 m=4
